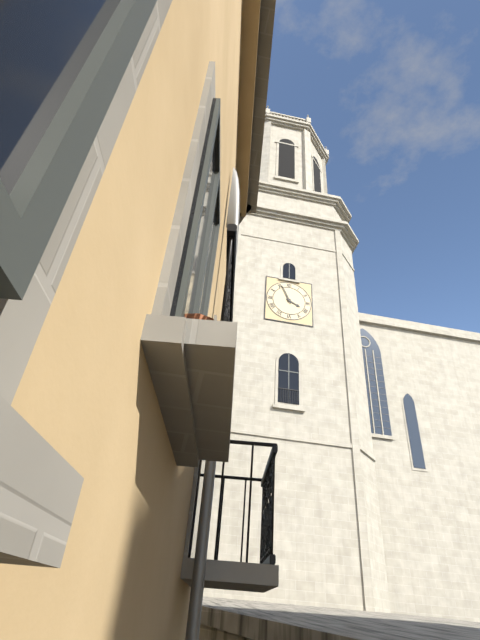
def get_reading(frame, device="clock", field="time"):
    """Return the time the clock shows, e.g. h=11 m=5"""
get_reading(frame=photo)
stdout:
h=3 m=56
